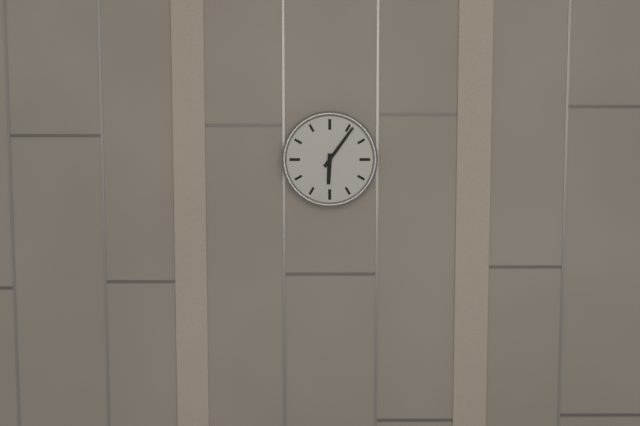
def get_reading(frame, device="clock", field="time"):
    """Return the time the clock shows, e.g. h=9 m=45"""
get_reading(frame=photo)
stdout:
h=6 m=6
